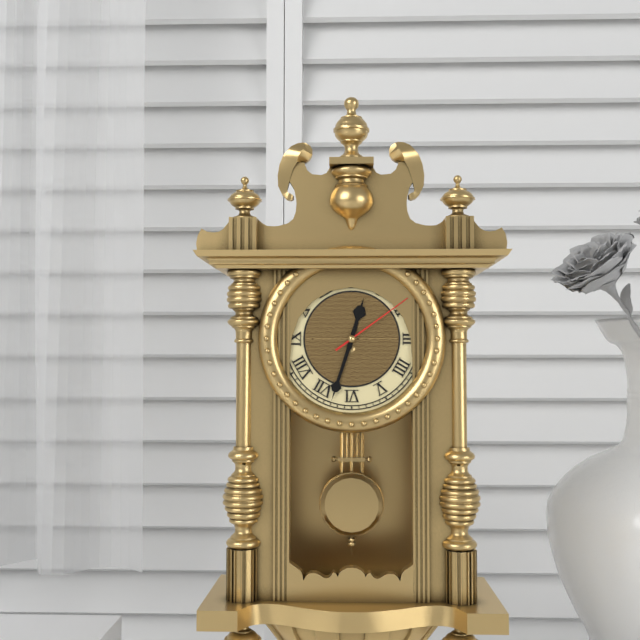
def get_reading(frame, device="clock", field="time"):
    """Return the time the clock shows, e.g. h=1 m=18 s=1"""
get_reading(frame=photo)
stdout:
h=12 m=33 s=9
